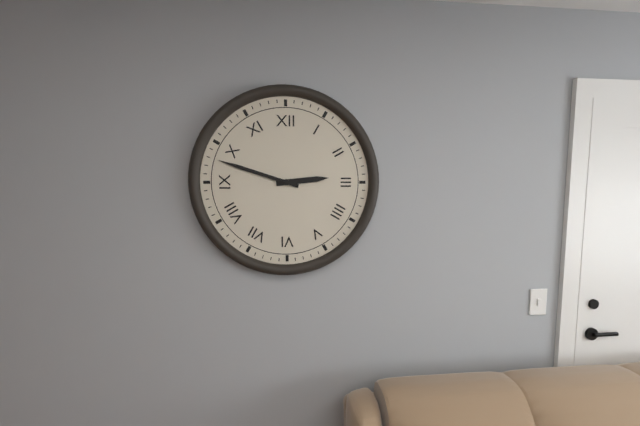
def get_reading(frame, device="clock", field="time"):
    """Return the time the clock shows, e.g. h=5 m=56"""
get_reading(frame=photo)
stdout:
h=2 m=48
